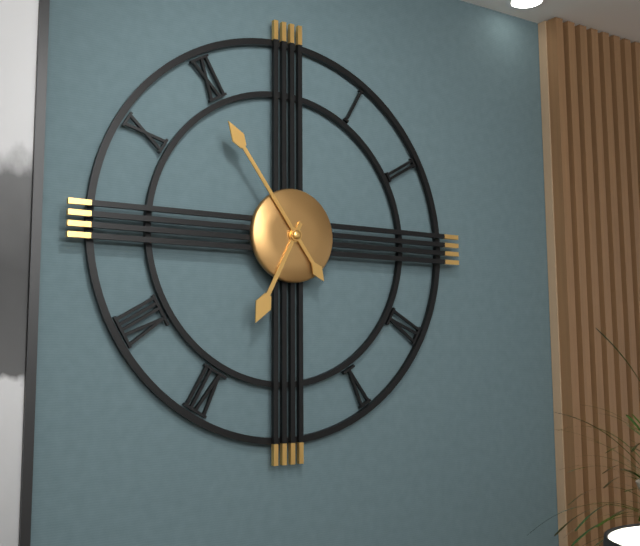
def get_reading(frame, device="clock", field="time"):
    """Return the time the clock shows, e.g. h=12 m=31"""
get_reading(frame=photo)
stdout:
h=6 m=54
